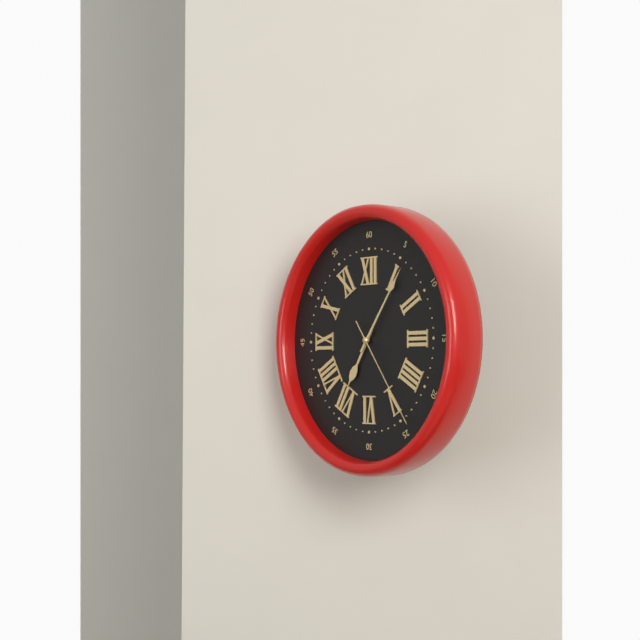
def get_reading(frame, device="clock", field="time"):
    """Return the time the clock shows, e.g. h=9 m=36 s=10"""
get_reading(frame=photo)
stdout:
h=7 m=6 s=24
